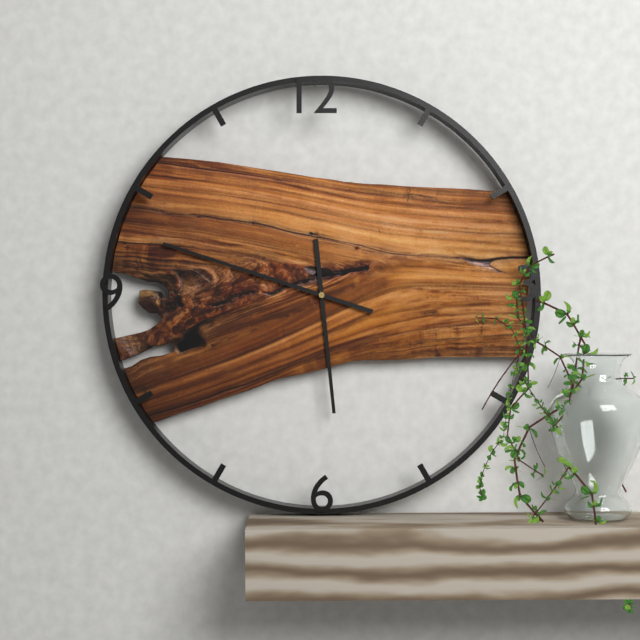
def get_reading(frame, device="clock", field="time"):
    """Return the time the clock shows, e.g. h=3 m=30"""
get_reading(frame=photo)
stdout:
h=5 m=48
